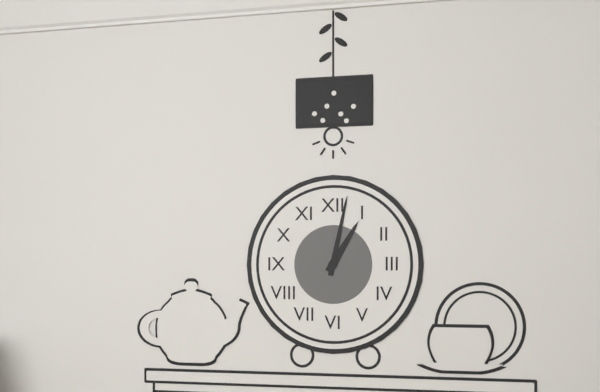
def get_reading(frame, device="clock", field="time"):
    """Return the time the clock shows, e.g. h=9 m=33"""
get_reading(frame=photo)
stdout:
h=1 m=2
